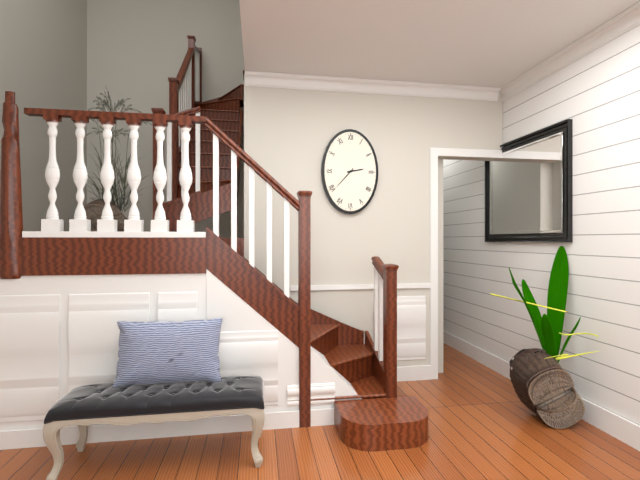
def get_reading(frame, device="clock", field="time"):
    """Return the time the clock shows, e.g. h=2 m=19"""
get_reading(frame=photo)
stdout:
h=2 m=37
